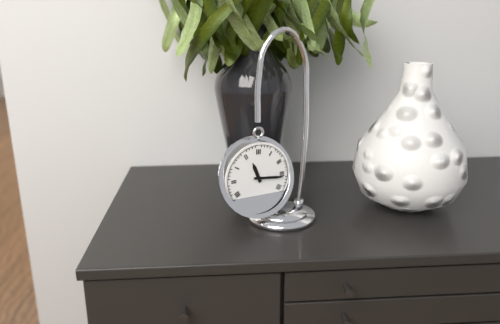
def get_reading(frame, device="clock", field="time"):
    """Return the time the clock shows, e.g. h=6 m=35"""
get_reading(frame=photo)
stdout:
h=11 m=16
